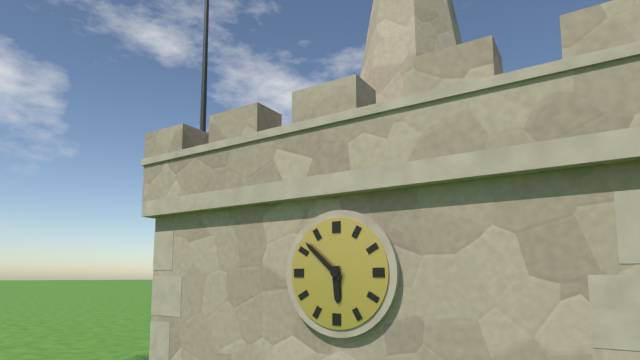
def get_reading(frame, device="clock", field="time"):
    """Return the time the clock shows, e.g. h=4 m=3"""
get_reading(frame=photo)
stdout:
h=5 m=52
